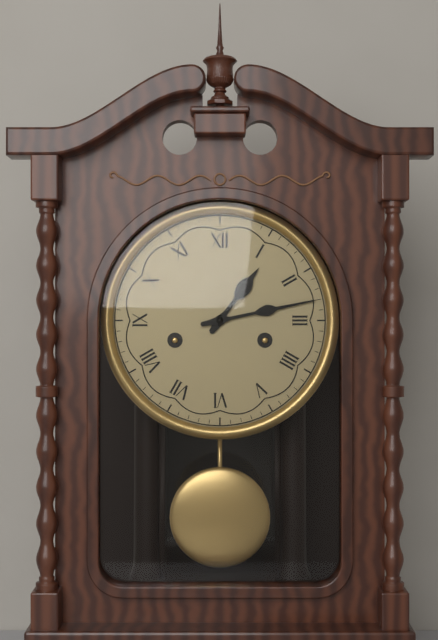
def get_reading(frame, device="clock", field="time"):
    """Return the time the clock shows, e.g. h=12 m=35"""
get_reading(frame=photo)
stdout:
h=1 m=13
